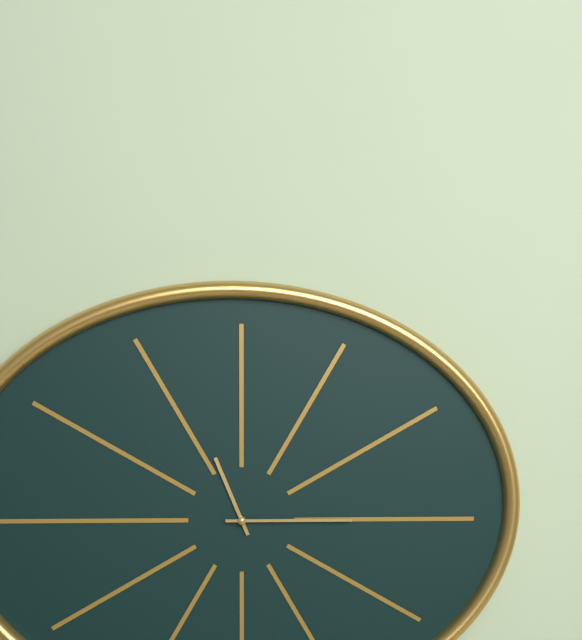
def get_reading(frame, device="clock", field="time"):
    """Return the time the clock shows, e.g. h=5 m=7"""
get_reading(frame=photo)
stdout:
h=11 m=15
